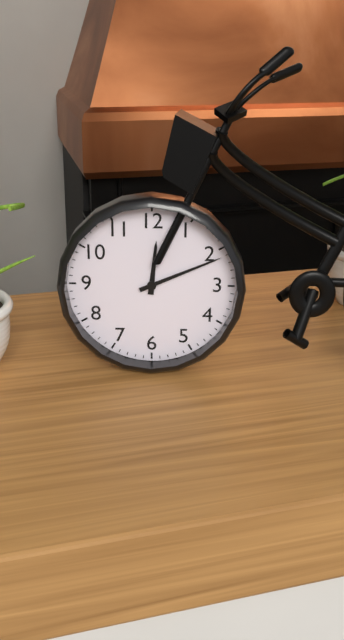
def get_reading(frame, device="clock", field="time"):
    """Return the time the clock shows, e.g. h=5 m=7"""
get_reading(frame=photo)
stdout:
h=12 m=11
